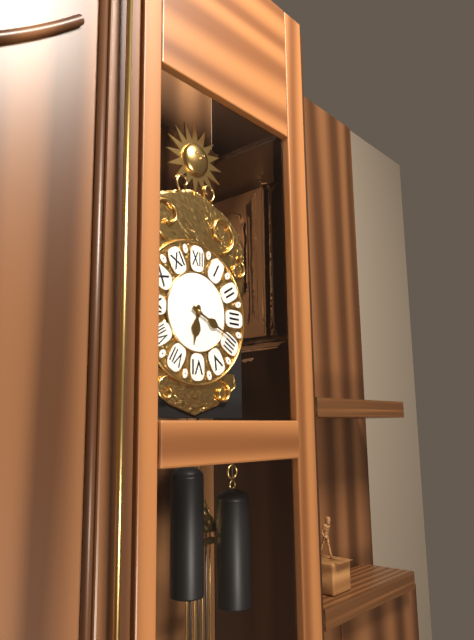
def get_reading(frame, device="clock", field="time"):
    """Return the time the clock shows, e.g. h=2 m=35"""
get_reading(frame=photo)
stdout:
h=6 m=19
